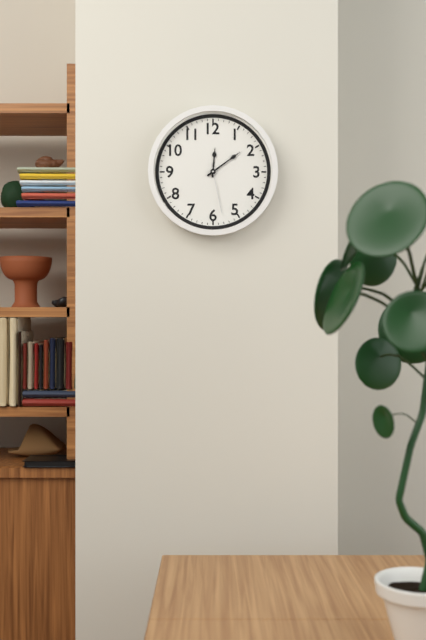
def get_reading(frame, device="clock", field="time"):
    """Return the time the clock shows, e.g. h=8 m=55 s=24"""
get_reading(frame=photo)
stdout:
h=12 m=9 s=28
